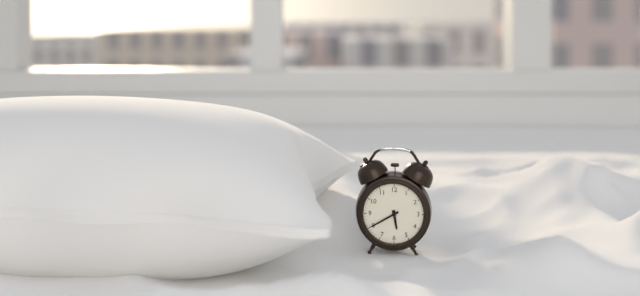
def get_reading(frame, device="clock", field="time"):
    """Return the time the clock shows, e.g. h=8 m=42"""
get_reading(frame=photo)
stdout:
h=5 m=40
